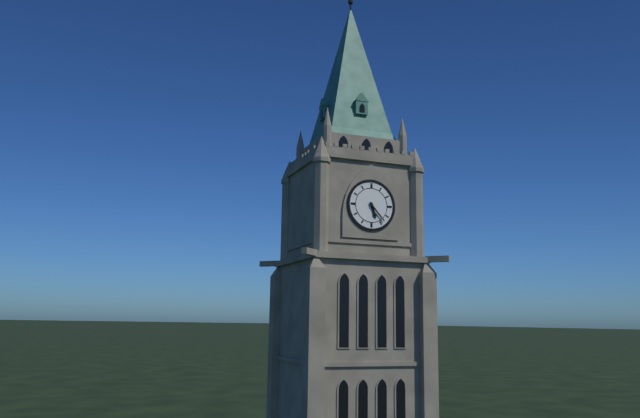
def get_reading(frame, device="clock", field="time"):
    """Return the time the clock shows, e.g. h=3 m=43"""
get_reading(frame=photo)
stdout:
h=5 m=23
